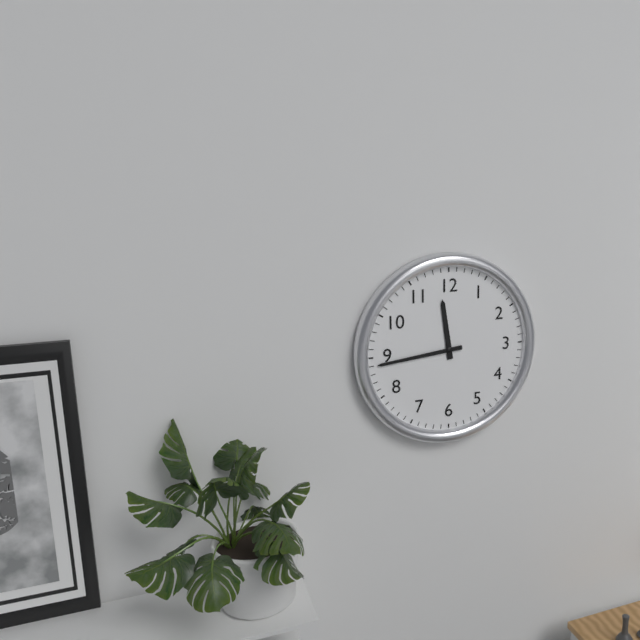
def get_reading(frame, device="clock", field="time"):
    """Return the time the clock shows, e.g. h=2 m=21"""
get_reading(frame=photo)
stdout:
h=11 m=44
